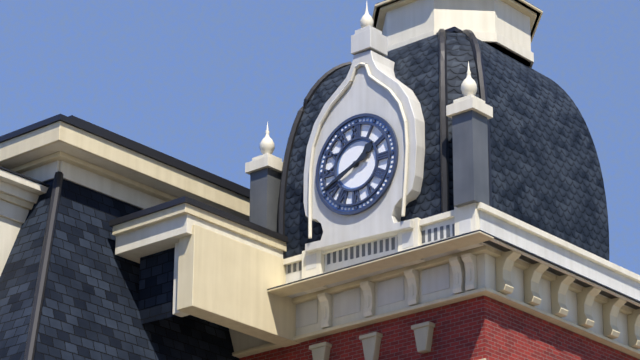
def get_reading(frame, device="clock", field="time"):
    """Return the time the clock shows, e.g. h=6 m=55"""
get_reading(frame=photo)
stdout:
h=1 m=41
